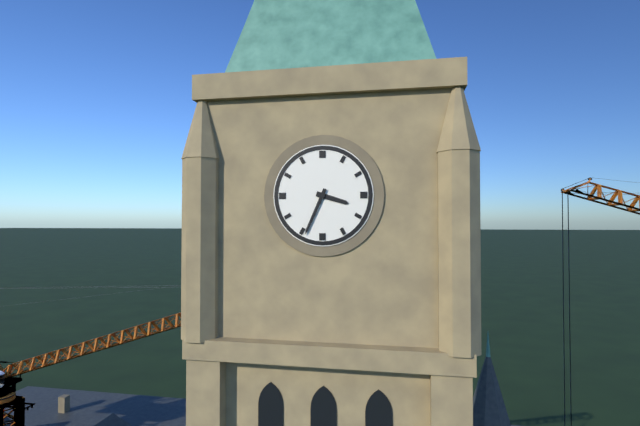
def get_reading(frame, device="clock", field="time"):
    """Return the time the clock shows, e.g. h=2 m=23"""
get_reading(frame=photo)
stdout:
h=3 m=34
